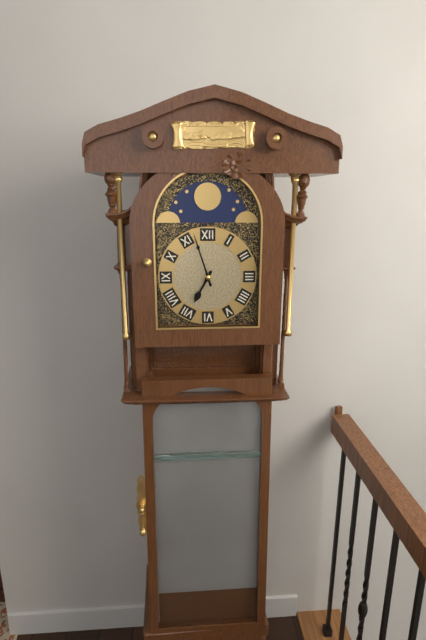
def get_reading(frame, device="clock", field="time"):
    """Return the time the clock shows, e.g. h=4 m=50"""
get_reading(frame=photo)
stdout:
h=6 m=57
